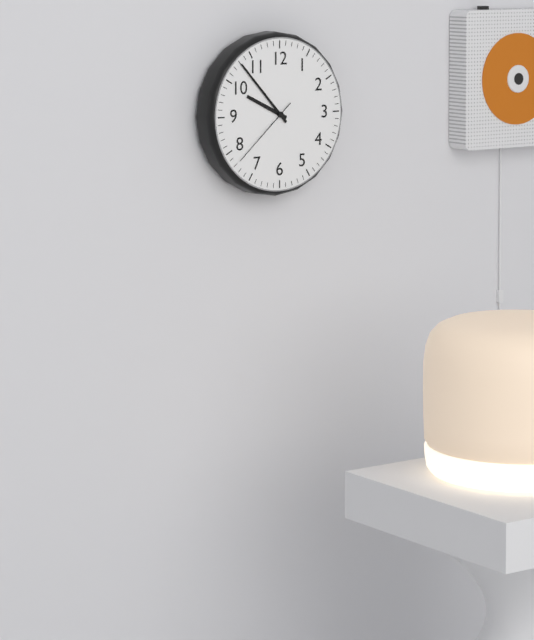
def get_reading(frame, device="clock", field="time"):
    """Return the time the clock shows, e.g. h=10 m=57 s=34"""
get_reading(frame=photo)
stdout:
h=9 m=53 s=38
